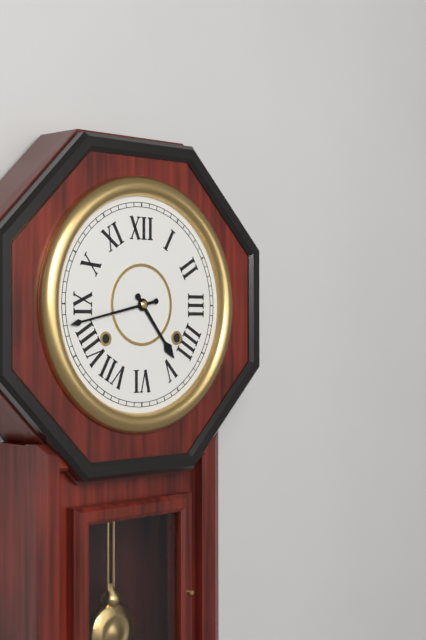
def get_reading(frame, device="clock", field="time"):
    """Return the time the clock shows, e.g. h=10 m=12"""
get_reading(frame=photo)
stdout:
h=4 m=43
